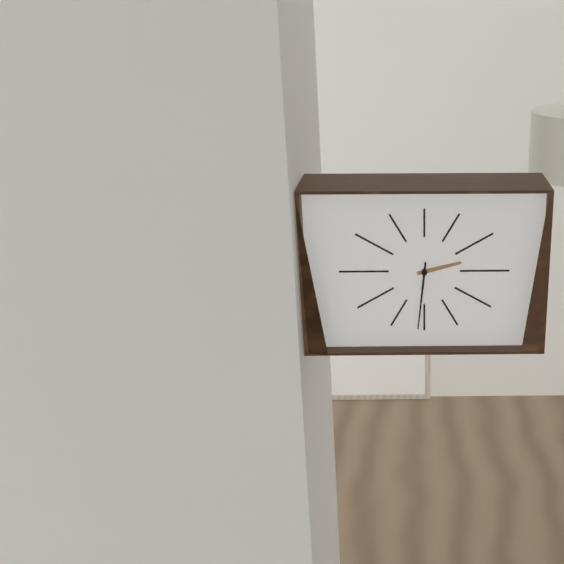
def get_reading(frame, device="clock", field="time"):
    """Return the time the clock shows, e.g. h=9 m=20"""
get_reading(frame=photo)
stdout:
h=2 m=31
